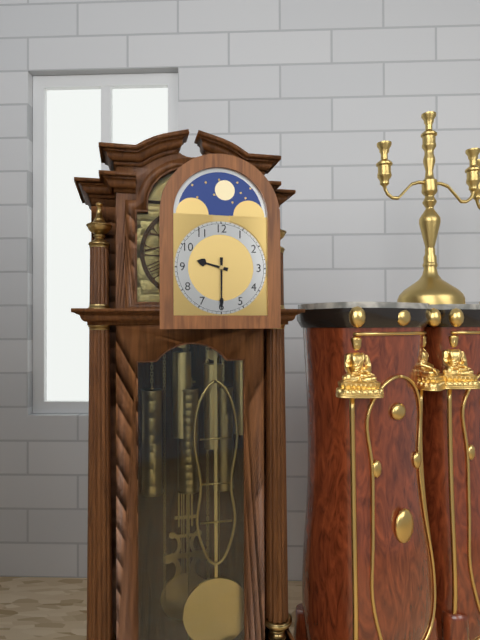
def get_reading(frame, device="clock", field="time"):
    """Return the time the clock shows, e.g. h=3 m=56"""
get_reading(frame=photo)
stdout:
h=9 m=30
